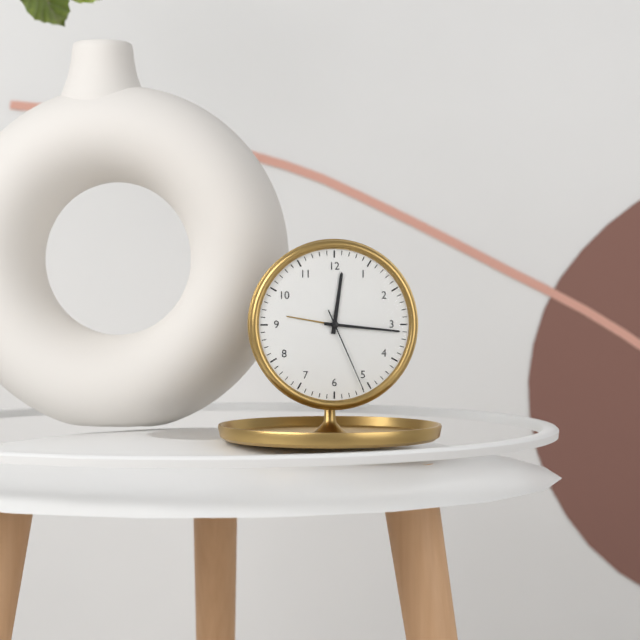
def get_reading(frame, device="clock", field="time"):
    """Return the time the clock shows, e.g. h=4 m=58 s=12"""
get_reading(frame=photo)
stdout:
h=12 m=16 s=26
